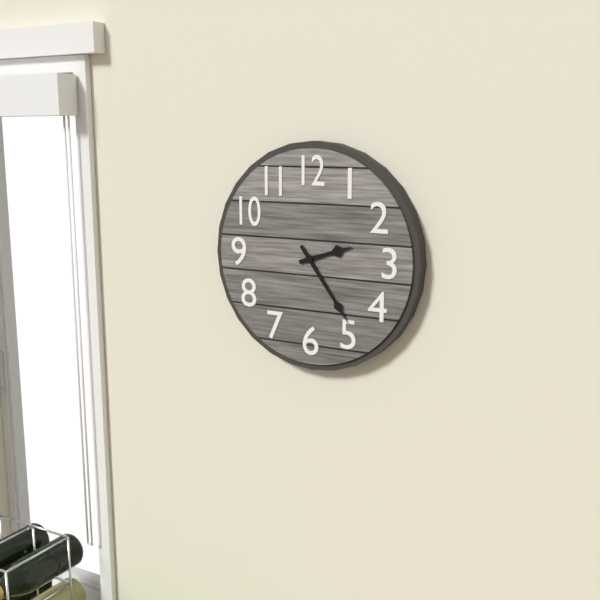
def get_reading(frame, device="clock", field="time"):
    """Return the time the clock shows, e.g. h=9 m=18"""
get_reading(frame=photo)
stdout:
h=2 m=24
